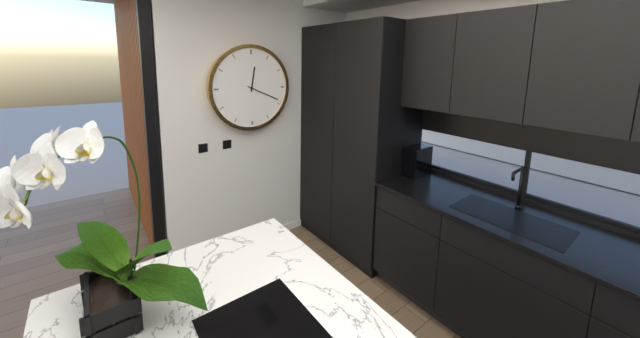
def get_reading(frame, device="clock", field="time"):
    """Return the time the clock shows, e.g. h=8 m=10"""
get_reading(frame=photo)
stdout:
h=12 m=19
